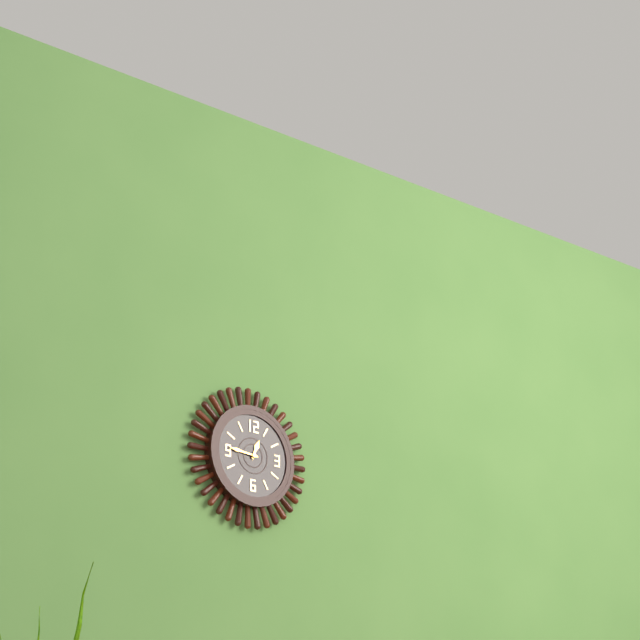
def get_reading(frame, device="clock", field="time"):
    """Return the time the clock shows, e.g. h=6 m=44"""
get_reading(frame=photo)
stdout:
h=12 m=46
